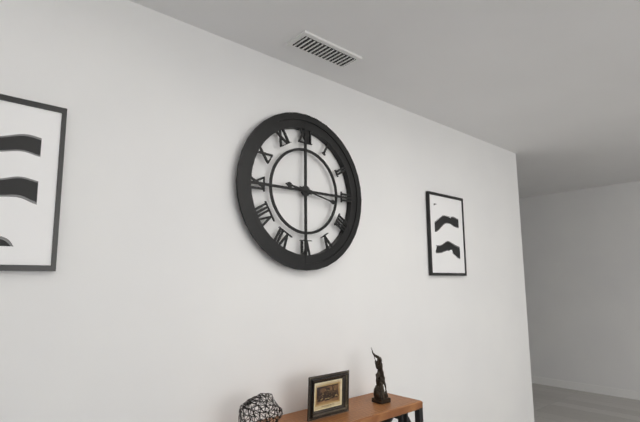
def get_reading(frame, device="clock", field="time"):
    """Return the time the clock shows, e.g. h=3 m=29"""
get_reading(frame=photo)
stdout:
h=9 m=17
